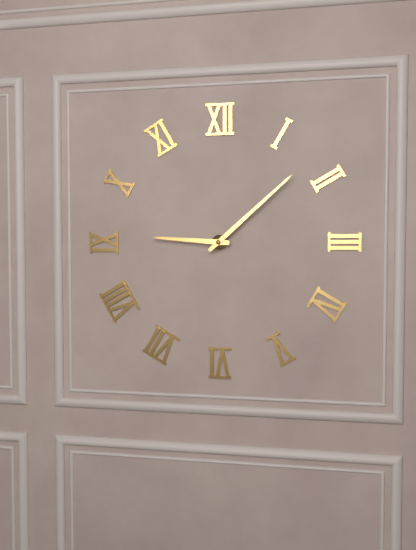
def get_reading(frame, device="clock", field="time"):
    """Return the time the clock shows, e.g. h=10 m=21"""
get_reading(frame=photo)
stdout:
h=9 m=8
